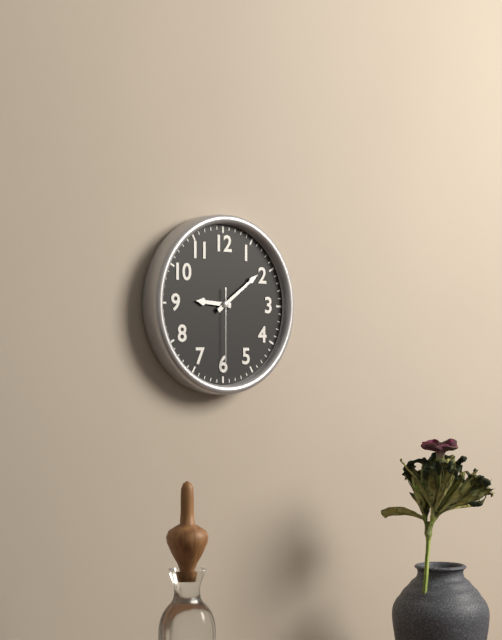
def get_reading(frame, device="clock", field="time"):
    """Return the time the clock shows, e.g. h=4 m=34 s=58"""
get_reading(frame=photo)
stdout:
h=9 m=9 s=30
